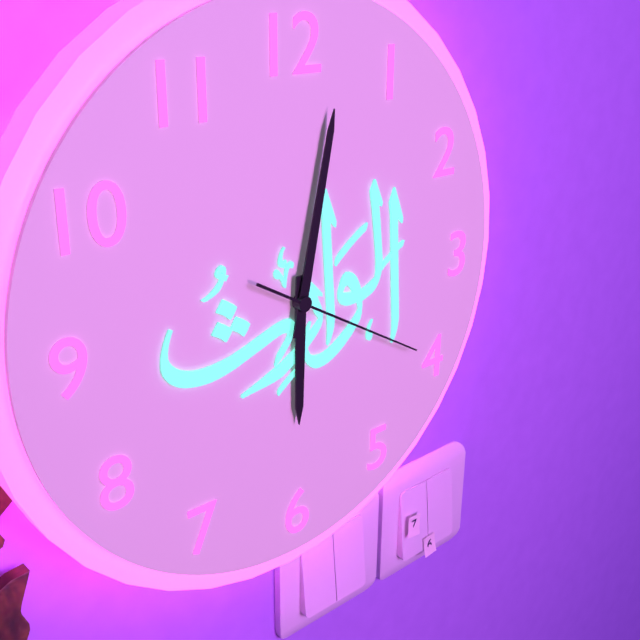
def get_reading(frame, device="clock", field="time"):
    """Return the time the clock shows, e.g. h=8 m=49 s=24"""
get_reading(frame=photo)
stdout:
h=6 m=2 s=20
